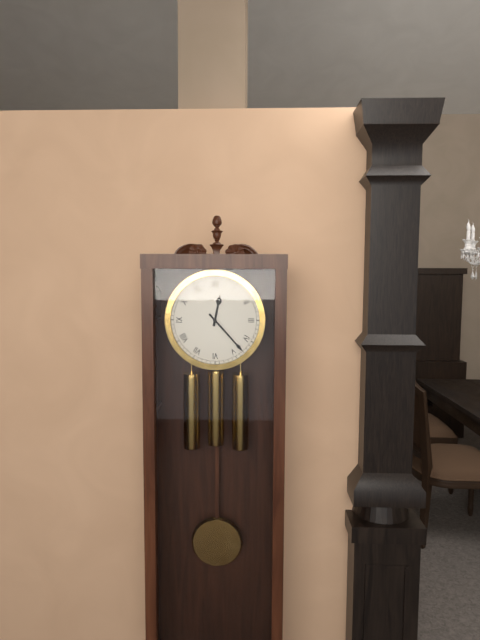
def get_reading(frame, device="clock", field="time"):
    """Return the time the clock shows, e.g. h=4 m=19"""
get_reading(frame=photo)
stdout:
h=12 m=23
